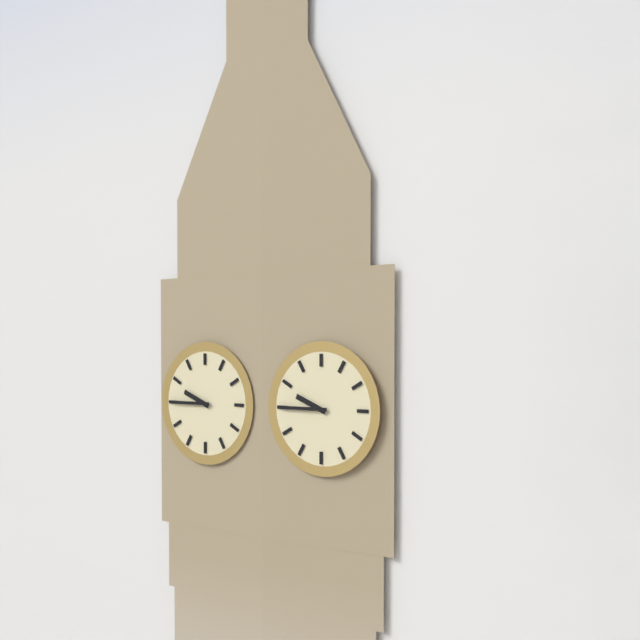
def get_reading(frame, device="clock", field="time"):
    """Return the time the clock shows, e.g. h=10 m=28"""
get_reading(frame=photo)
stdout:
h=9 m=45
